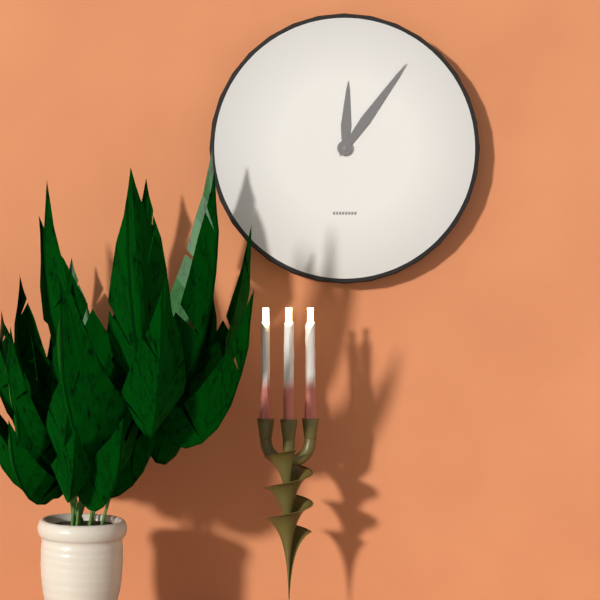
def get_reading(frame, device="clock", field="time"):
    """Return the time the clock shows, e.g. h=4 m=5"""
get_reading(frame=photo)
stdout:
h=12 m=6
